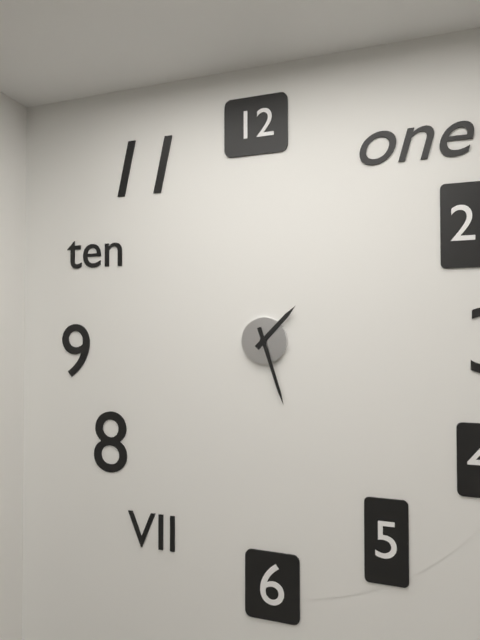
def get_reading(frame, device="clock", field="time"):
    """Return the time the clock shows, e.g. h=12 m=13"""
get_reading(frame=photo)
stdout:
h=1 m=27
